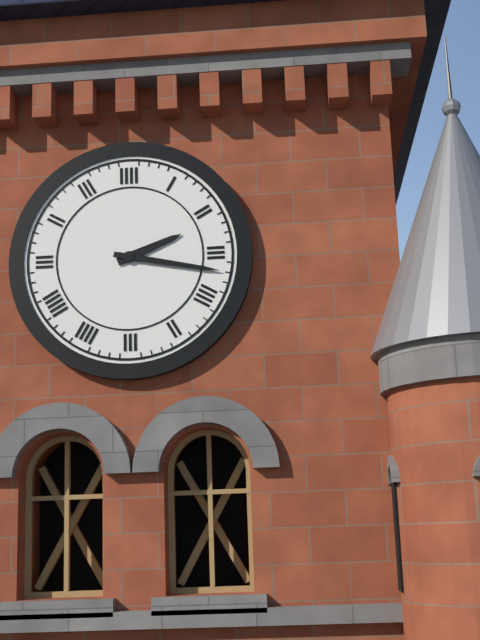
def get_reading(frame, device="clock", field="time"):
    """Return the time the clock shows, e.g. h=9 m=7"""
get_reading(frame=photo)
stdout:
h=2 m=17
